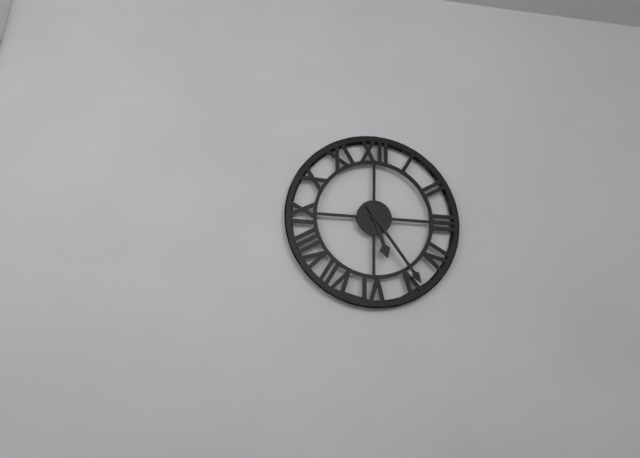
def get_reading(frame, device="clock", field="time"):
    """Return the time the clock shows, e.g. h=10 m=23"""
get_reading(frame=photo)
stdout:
h=5 m=24
